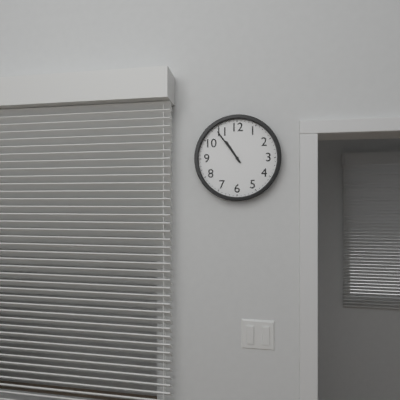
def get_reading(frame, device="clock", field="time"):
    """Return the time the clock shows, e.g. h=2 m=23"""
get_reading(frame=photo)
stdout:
h=10 m=54
